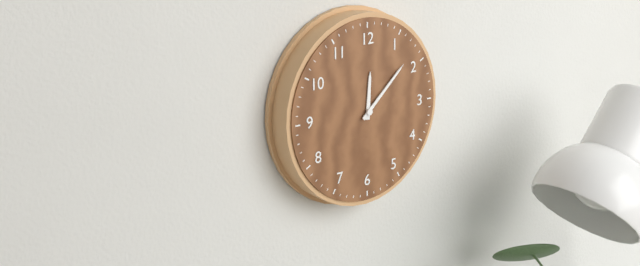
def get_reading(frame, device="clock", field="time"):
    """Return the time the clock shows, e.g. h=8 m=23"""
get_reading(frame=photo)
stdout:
h=12 m=8
